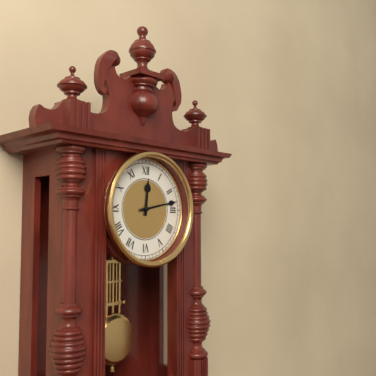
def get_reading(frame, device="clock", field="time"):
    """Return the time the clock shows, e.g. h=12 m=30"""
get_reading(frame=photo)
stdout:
h=12 m=13
